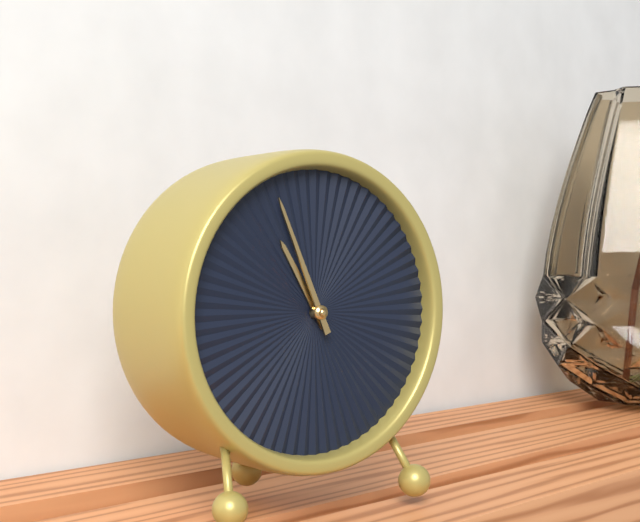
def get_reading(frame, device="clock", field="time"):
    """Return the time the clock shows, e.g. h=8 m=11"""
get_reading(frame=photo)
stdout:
h=10 m=56
